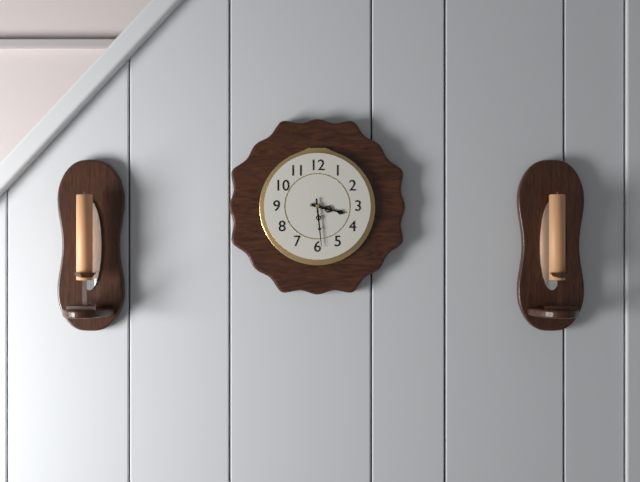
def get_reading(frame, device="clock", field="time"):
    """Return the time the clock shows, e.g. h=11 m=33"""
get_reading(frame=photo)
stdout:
h=3 m=29
